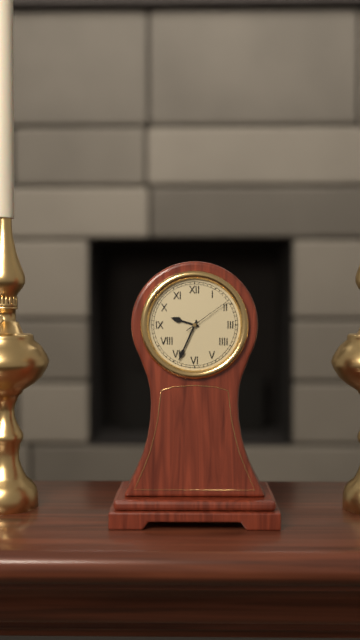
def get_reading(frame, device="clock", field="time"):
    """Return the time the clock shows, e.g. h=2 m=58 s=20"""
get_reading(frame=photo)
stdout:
h=9 m=34 s=9
